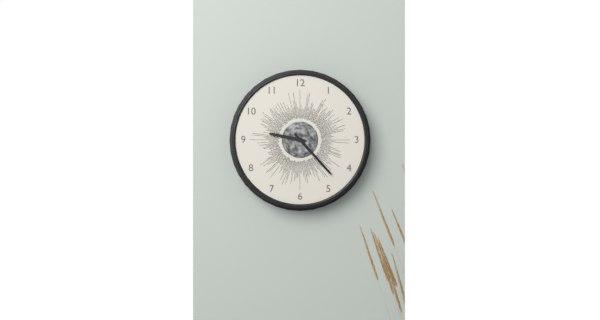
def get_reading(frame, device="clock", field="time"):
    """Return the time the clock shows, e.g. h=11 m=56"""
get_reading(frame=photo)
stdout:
h=9 m=23
